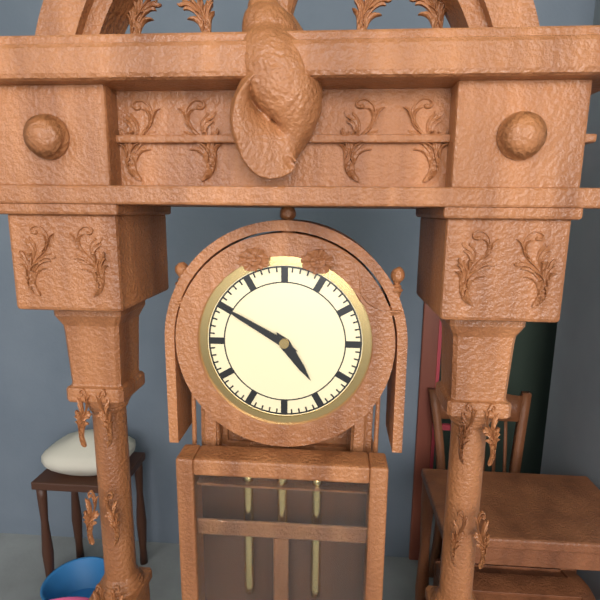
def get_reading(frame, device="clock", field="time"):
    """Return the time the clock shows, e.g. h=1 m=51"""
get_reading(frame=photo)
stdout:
h=4 m=50
